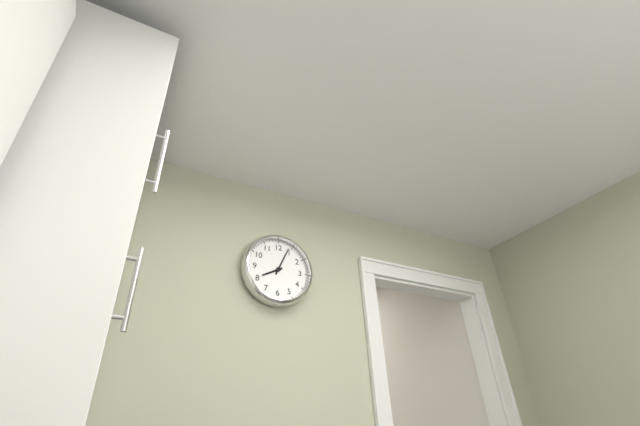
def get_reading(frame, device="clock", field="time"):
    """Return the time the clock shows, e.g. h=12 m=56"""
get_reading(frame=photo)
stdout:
h=8 m=4
